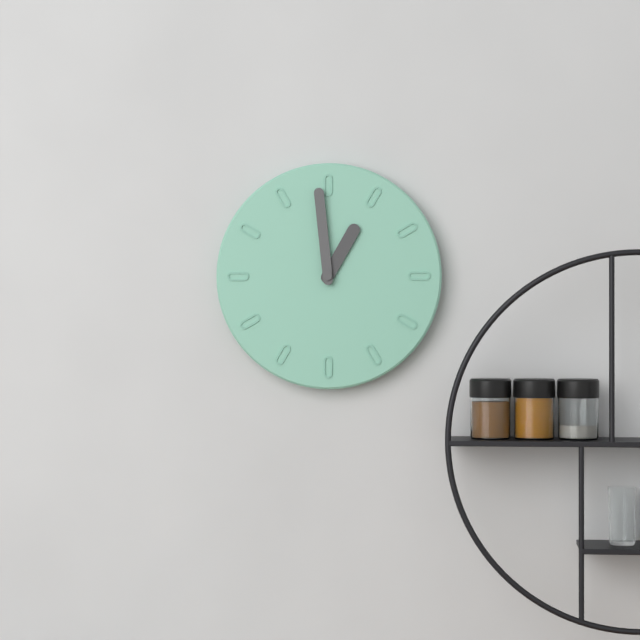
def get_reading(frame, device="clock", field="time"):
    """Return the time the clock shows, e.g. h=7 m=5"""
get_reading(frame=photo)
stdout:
h=12 m=59
